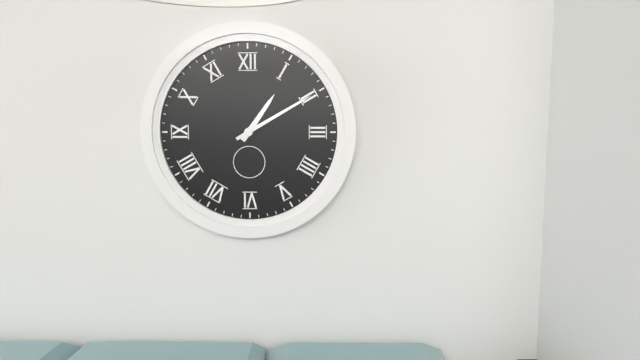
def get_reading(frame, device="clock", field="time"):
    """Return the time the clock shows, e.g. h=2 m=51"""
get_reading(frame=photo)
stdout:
h=1 m=10
